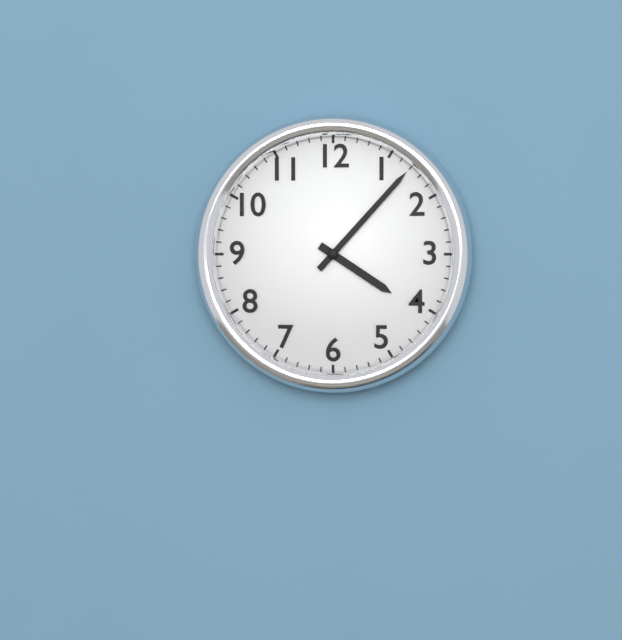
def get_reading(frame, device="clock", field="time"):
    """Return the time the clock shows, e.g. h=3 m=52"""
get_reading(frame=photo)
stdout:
h=4 m=7
